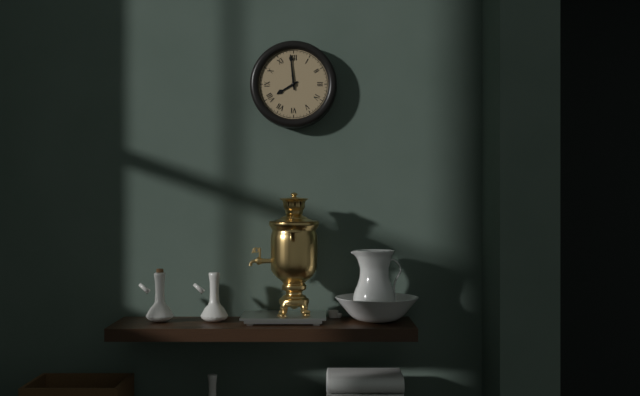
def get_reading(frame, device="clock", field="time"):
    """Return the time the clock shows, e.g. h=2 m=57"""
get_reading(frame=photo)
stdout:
h=7 m=59
